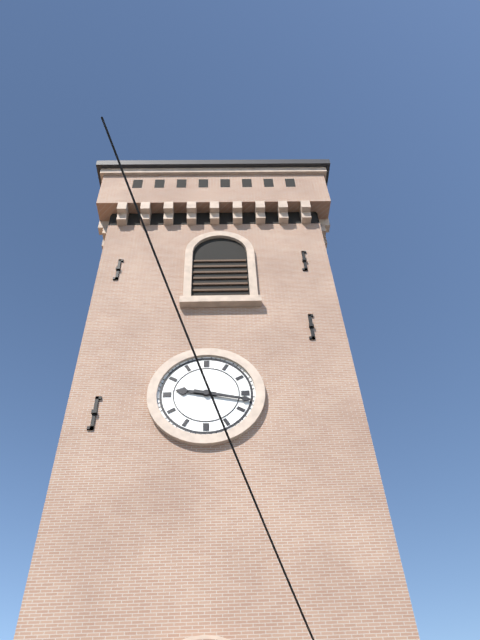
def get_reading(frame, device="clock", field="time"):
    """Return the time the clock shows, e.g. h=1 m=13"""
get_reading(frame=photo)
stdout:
h=9 m=17
